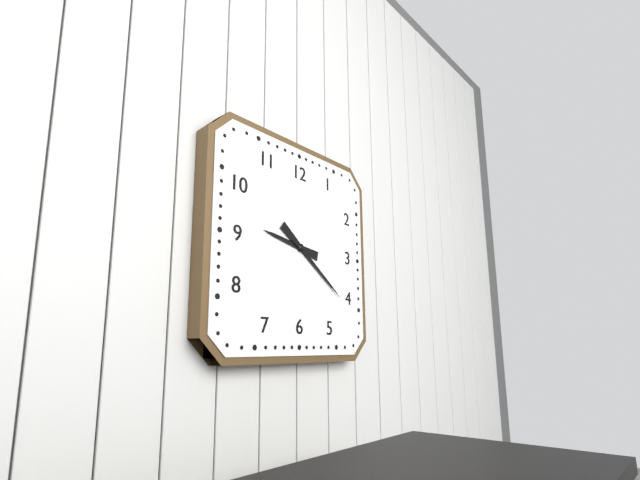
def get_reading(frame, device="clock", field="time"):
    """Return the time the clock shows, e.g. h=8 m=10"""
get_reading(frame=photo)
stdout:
h=9 m=21
